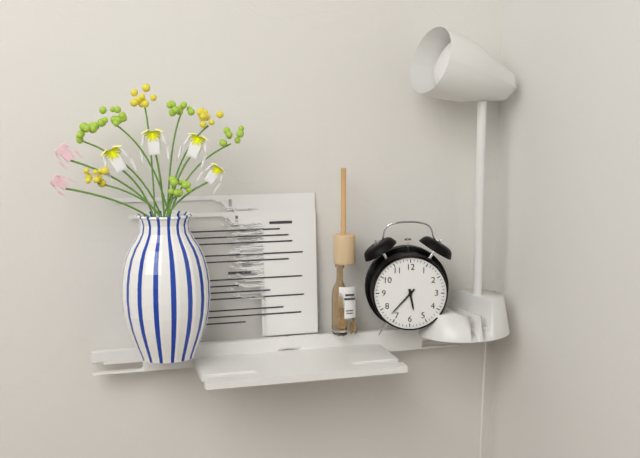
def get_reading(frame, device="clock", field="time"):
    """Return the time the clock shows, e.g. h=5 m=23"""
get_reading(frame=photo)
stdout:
h=5 m=37
